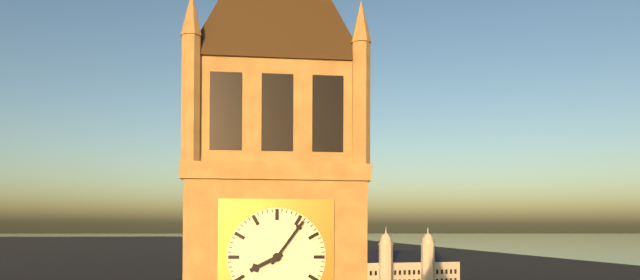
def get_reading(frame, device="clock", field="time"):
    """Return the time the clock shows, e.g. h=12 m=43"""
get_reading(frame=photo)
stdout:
h=8 m=6
